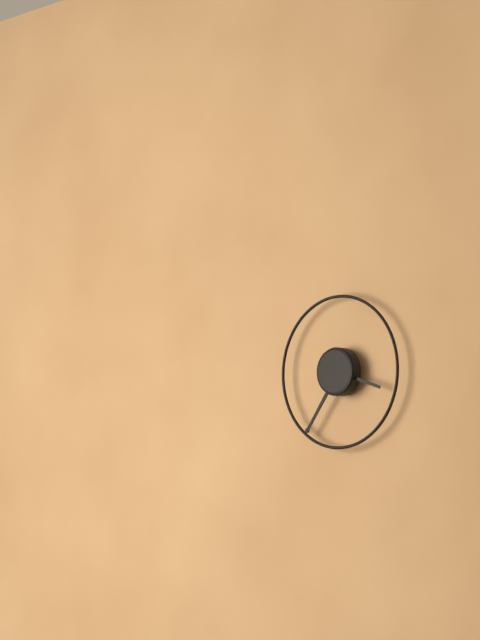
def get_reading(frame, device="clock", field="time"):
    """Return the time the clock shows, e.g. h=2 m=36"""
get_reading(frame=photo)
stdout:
h=3 m=36
